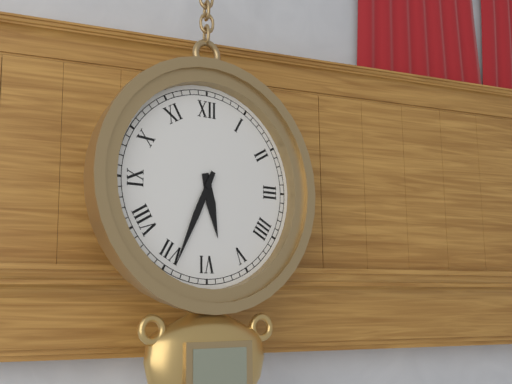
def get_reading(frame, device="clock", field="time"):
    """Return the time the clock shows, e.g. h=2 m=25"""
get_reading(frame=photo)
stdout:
h=5 m=34
